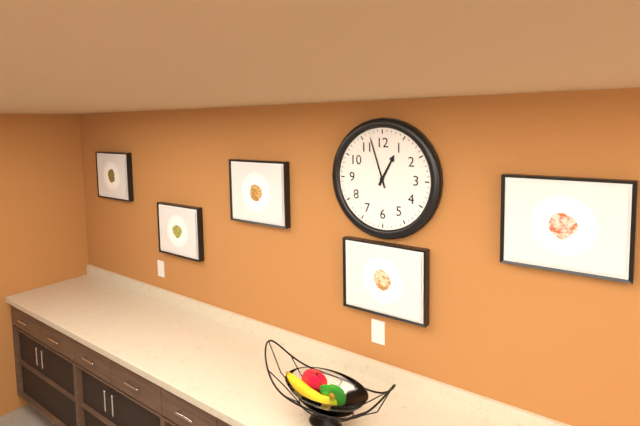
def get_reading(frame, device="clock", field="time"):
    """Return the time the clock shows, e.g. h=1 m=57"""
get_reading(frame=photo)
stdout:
h=12 m=57
